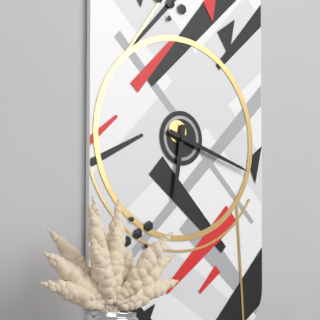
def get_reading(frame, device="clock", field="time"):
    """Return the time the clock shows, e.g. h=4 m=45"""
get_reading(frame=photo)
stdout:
h=6 m=18
